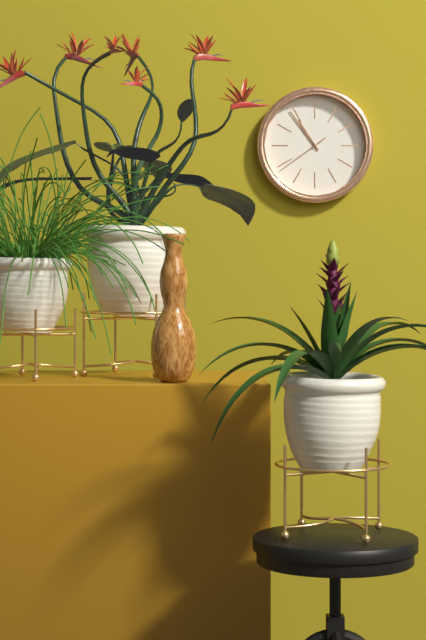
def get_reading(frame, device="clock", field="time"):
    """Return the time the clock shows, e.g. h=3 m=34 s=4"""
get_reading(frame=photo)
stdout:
h=10 m=54 s=39
